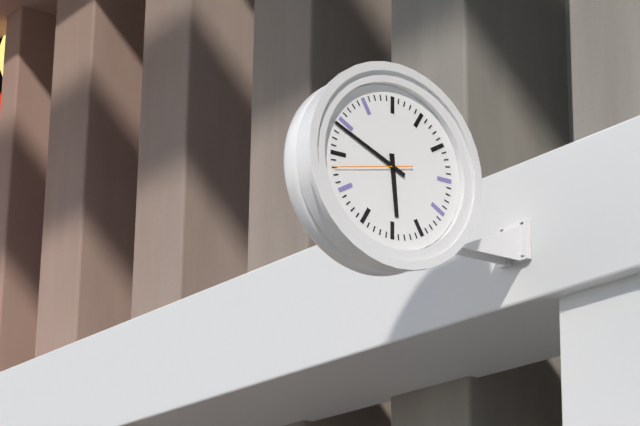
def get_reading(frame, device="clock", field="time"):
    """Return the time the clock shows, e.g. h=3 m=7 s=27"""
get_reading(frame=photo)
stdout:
h=5 m=49 s=43
